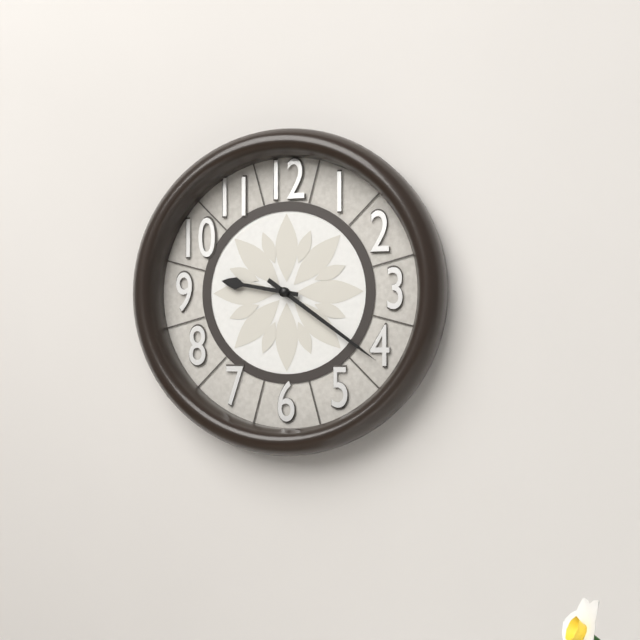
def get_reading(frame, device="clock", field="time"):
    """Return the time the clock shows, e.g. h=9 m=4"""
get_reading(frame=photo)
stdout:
h=9 m=21
